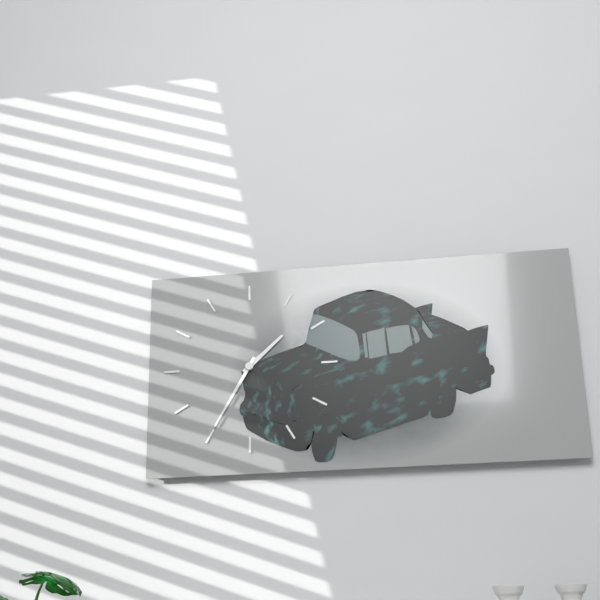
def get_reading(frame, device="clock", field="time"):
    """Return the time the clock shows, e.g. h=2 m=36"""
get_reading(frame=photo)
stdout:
h=1 m=35
